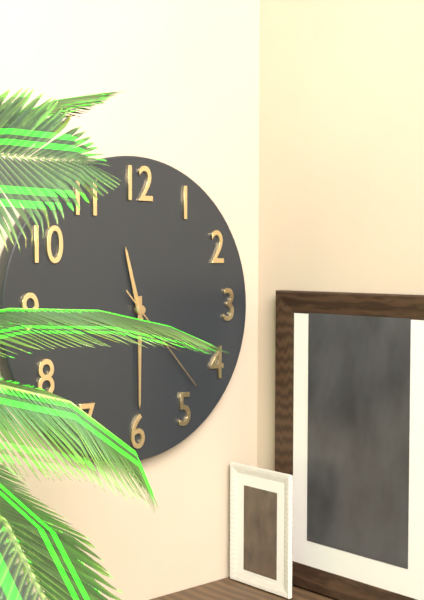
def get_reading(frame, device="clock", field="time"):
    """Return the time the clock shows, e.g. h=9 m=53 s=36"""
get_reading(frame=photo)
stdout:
h=11 m=30 s=23
